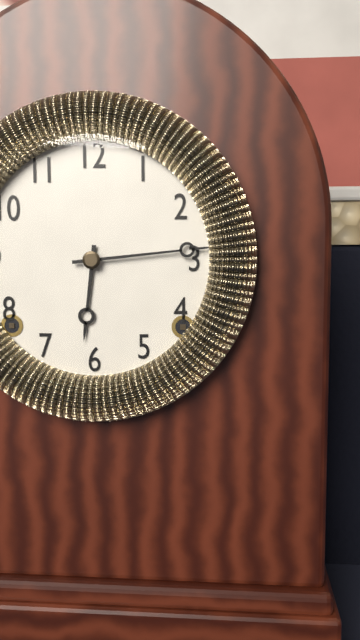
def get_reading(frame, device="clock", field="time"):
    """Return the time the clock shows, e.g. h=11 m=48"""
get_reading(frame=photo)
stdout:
h=6 m=14
